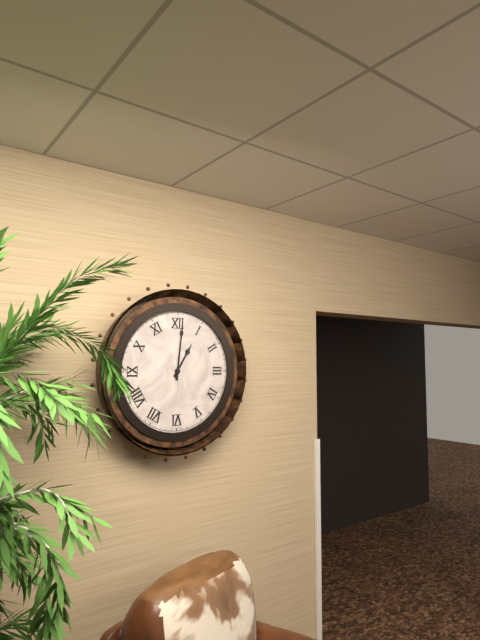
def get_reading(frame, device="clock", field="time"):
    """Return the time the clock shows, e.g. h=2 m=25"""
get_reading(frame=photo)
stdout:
h=1 m=1
